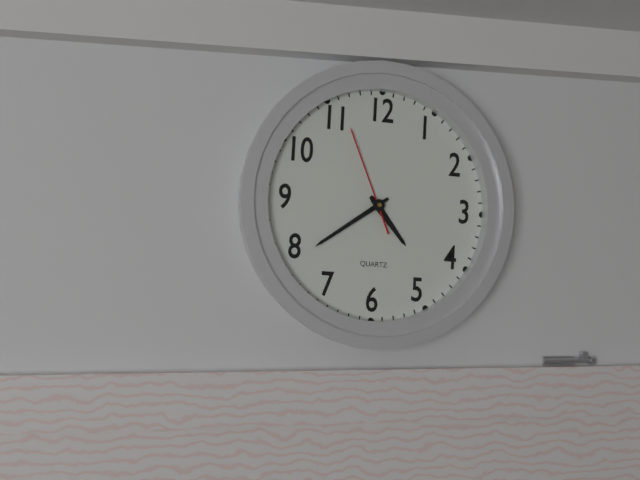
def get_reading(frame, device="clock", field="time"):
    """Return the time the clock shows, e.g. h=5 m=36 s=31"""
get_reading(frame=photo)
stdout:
h=4 m=39 s=56
